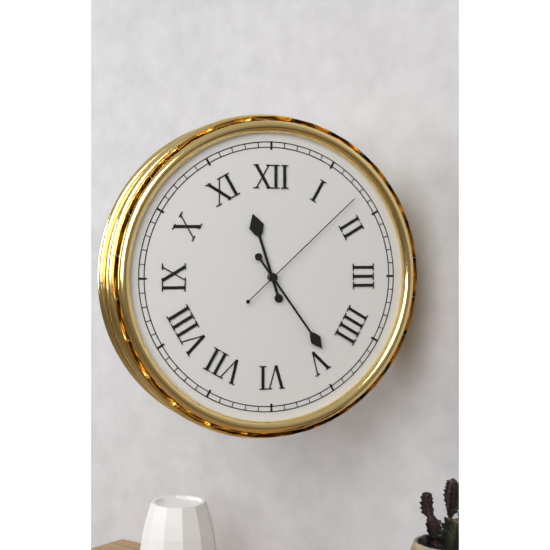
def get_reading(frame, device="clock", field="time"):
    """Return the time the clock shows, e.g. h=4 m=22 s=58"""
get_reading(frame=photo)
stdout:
h=11 m=24 s=8
